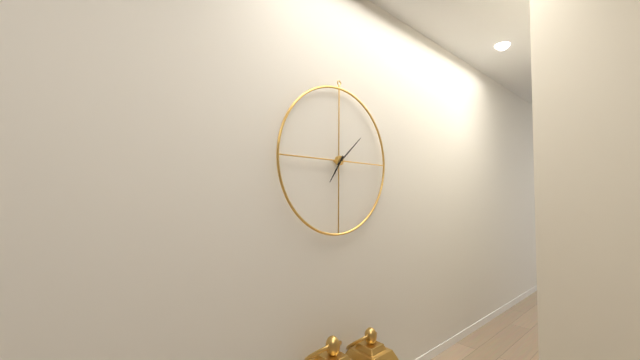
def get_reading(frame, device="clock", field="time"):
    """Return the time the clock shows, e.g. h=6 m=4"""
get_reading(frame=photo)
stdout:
h=7 m=8
